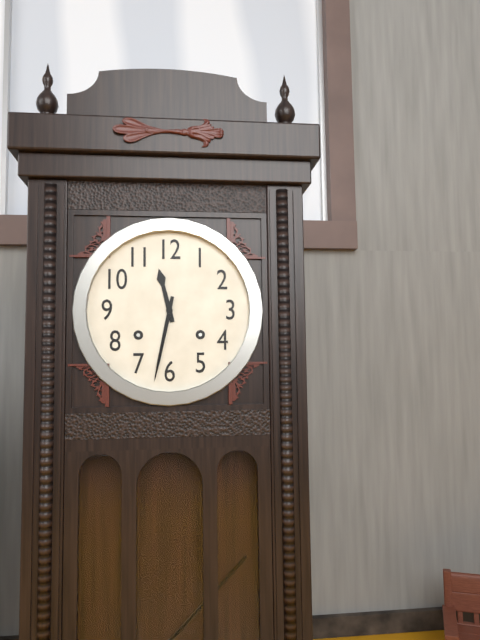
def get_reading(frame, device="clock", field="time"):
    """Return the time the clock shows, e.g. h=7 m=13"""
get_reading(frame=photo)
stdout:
h=11 m=32
